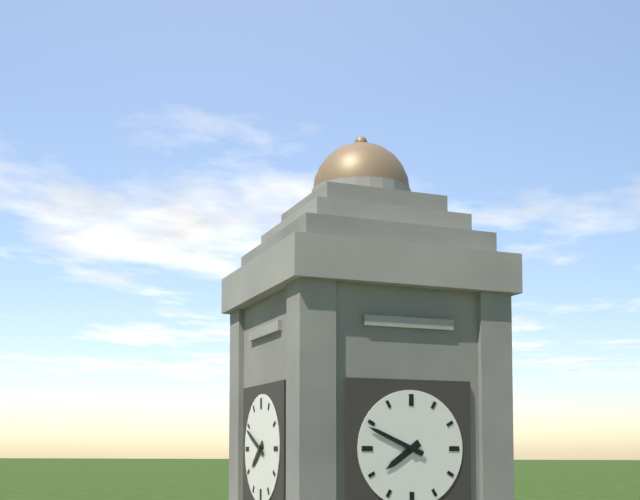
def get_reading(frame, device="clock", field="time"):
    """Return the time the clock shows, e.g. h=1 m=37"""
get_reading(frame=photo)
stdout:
h=7 m=49
